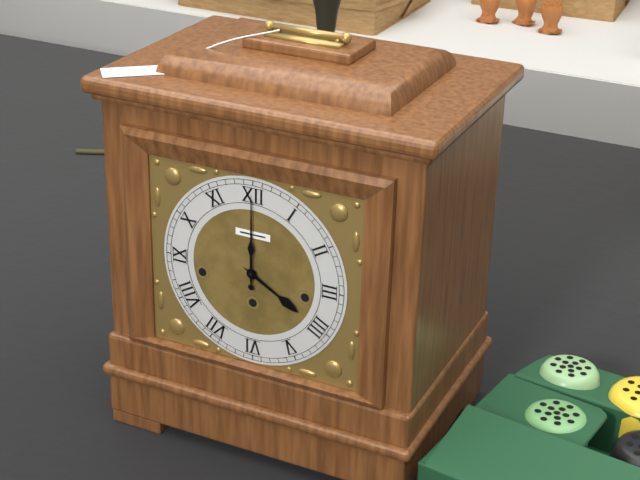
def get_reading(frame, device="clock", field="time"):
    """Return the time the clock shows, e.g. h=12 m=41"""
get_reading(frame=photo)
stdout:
h=4 m=0
